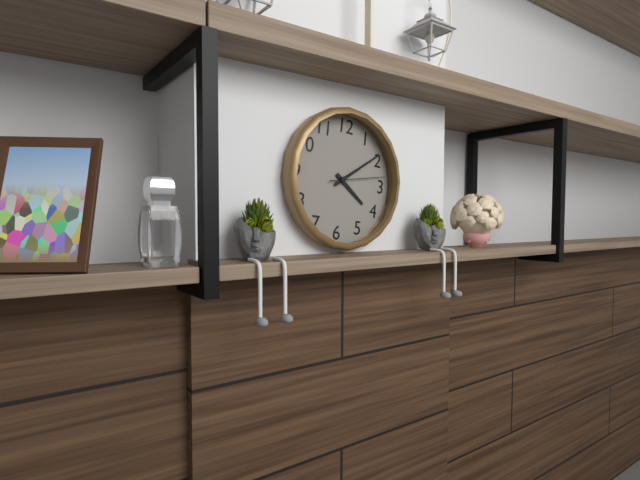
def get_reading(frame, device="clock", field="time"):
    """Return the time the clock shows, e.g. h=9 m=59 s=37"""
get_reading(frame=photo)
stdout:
h=4 m=9 s=13
